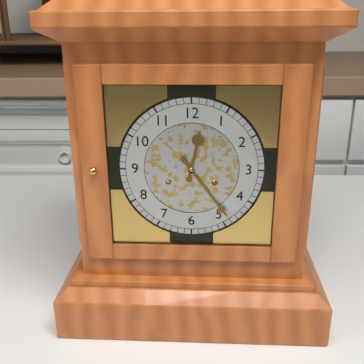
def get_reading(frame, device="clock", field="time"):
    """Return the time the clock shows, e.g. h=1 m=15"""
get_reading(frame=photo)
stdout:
h=12 m=24
